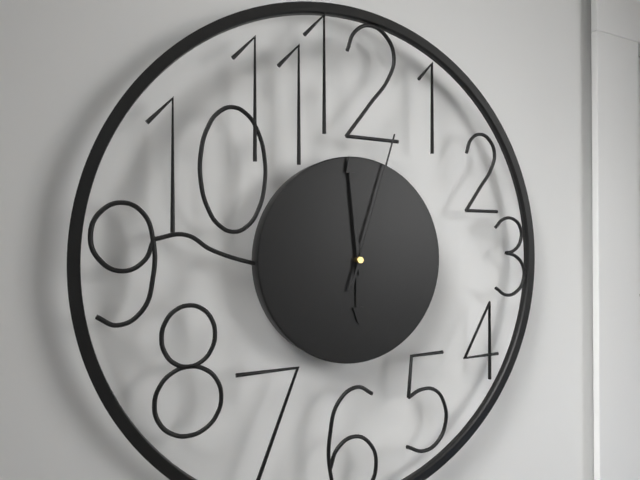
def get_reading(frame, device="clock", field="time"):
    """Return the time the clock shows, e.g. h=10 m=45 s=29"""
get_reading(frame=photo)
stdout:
h=5 m=59 s=3
